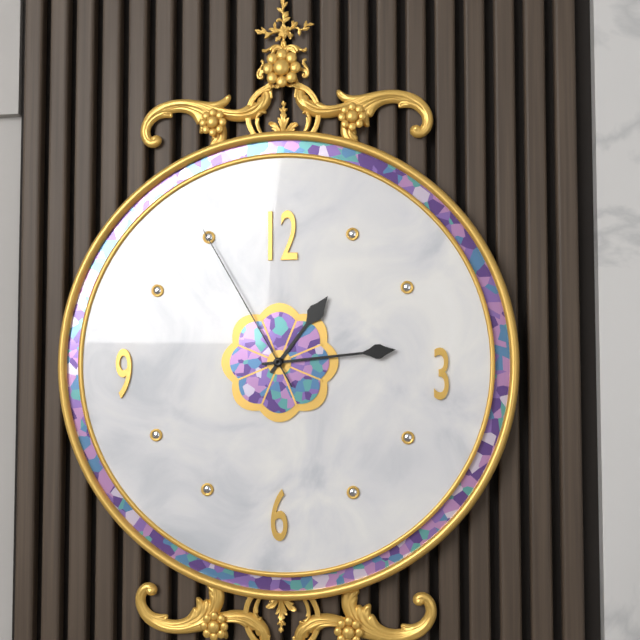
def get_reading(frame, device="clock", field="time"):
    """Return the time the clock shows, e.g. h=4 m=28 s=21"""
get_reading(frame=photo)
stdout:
h=1 m=14 s=55
